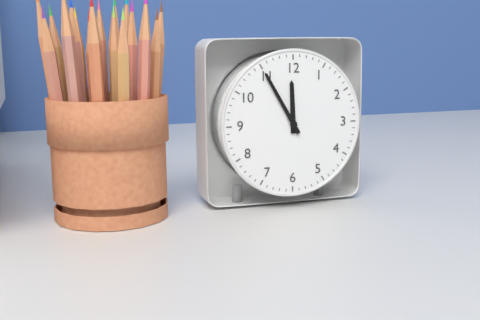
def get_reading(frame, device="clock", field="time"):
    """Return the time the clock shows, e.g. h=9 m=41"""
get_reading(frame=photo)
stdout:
h=11 m=55
